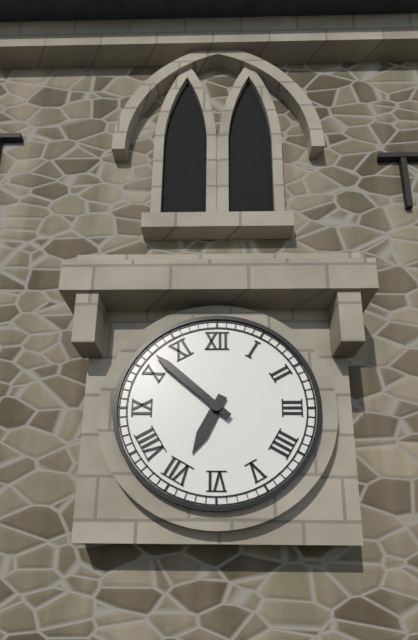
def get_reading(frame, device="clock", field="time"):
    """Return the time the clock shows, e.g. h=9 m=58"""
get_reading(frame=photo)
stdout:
h=6 m=52
